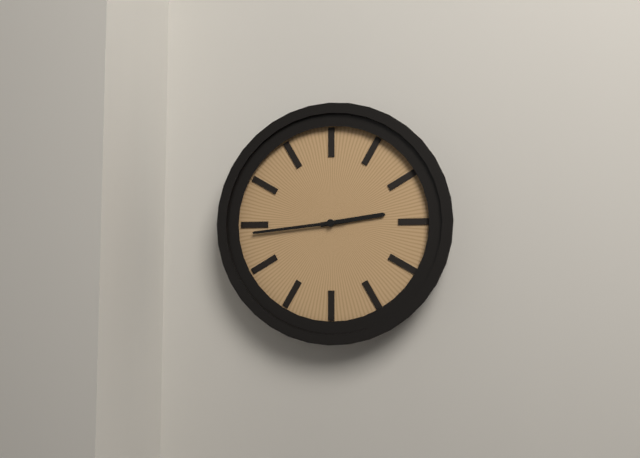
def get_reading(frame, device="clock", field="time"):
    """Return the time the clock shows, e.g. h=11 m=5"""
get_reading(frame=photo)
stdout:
h=2 m=44
